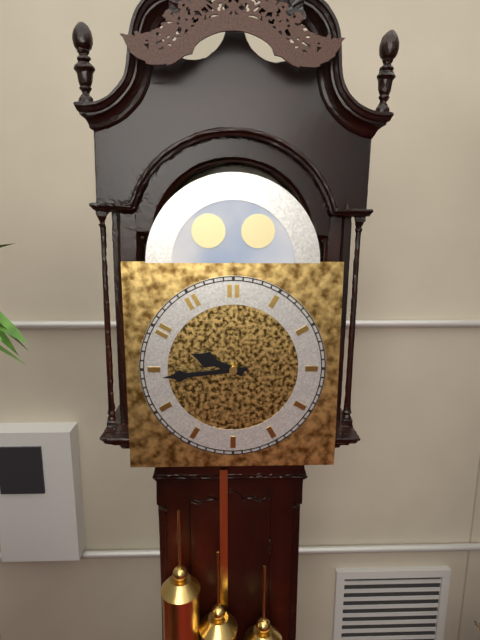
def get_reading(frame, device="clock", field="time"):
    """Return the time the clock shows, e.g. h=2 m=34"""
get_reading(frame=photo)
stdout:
h=9 m=44
